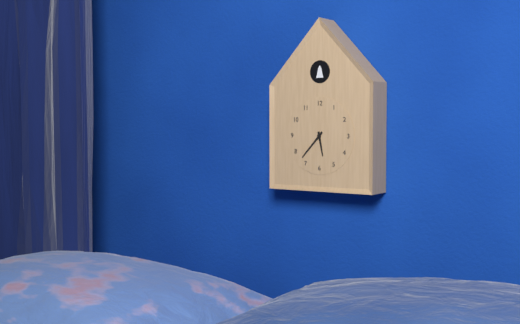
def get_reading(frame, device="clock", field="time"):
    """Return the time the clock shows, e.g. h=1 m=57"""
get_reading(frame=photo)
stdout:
h=5 m=37
